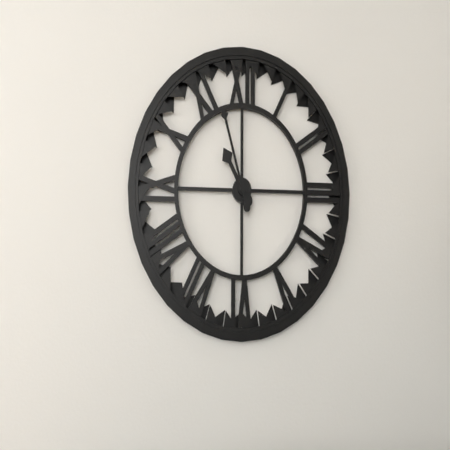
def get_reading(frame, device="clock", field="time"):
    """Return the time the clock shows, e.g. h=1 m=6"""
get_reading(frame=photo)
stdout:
h=10 m=57
